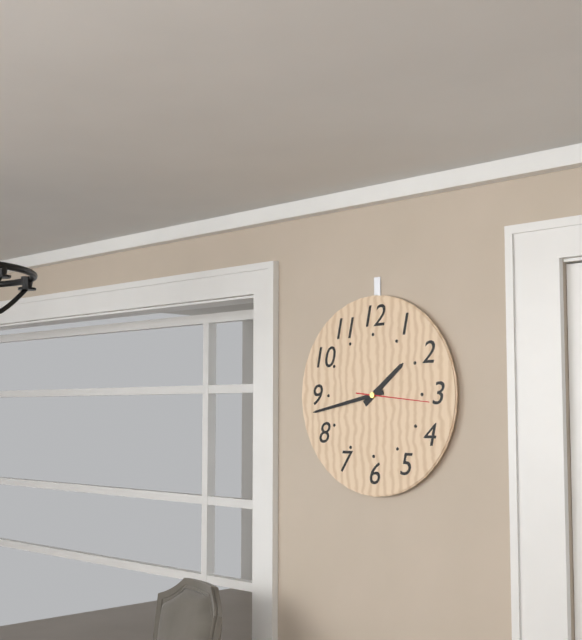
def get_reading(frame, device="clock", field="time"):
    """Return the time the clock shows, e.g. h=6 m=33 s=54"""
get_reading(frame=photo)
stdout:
h=1 m=43 s=16
